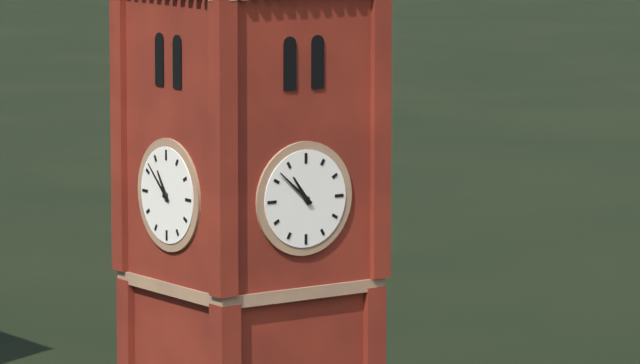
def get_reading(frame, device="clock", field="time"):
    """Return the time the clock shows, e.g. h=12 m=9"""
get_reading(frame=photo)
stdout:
h=10 m=52
